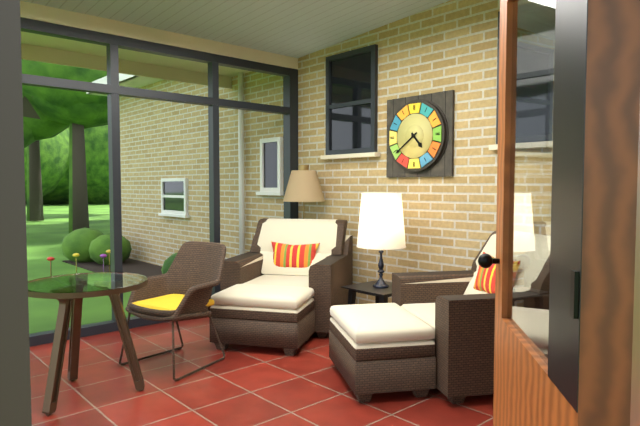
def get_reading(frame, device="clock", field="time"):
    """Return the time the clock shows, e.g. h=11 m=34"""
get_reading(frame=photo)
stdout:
h=4 m=39
